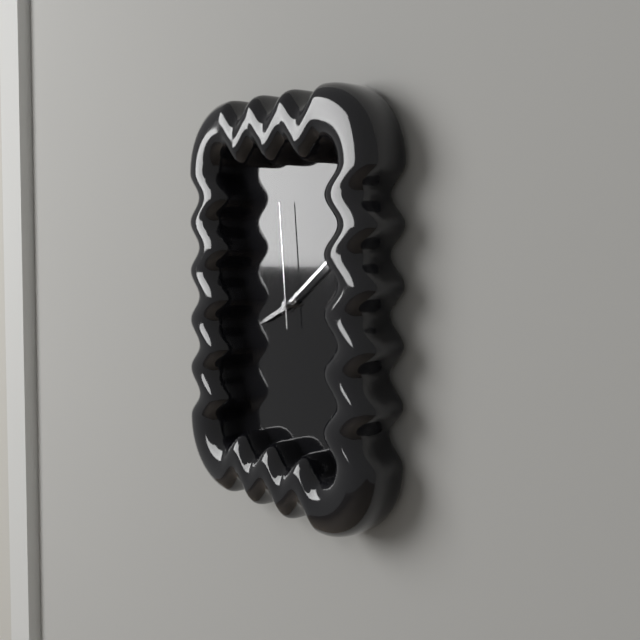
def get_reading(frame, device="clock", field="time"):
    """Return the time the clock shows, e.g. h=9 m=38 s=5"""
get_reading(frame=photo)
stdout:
h=8 m=9 s=59
